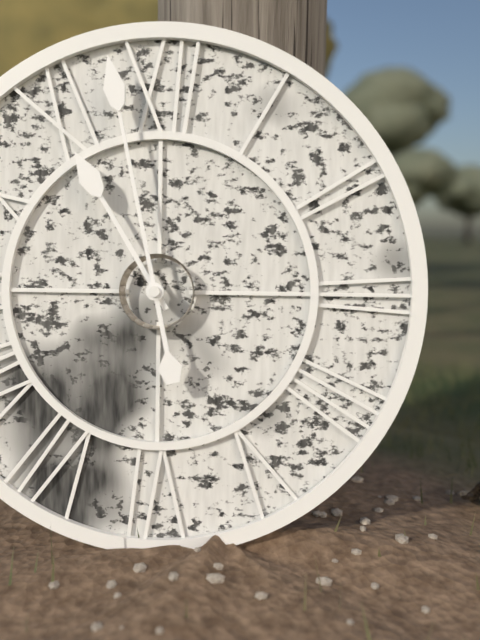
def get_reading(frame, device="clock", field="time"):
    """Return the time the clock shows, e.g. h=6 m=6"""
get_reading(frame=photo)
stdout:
h=10 m=58
